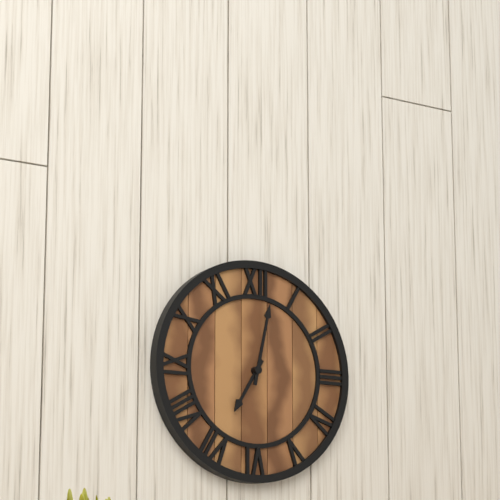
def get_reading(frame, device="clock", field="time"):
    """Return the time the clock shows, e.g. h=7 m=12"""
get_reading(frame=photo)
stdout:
h=7 m=2
